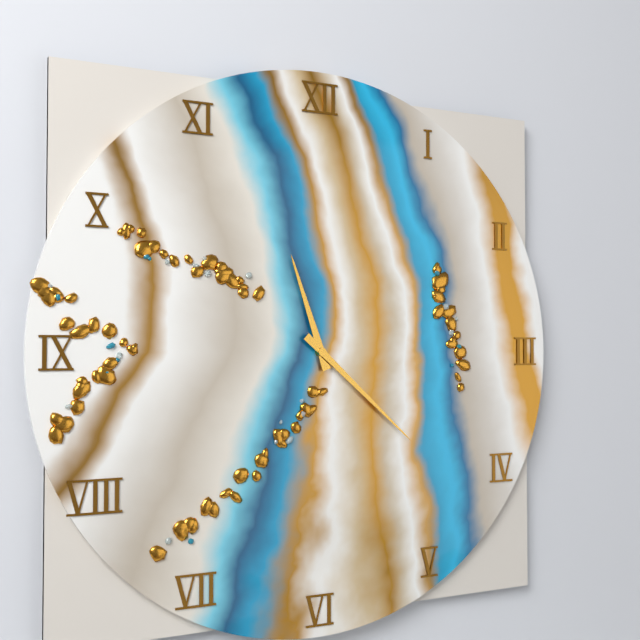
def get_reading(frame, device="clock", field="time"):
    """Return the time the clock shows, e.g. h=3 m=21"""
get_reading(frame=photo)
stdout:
h=11 m=22
